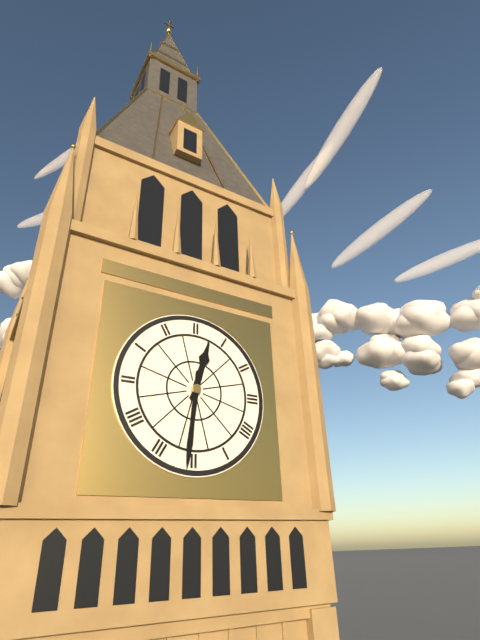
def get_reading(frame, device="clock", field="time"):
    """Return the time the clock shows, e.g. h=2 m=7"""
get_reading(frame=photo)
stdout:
h=12 m=31
